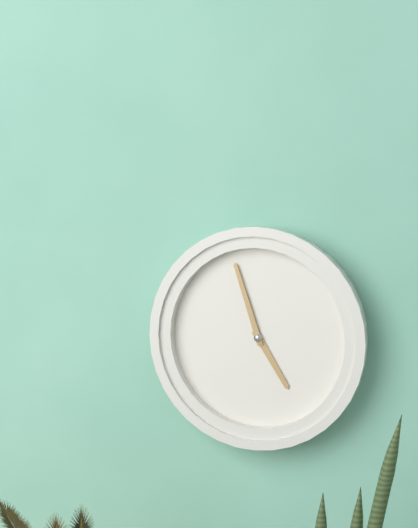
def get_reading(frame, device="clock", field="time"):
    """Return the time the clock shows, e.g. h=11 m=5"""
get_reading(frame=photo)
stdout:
h=4 m=57
